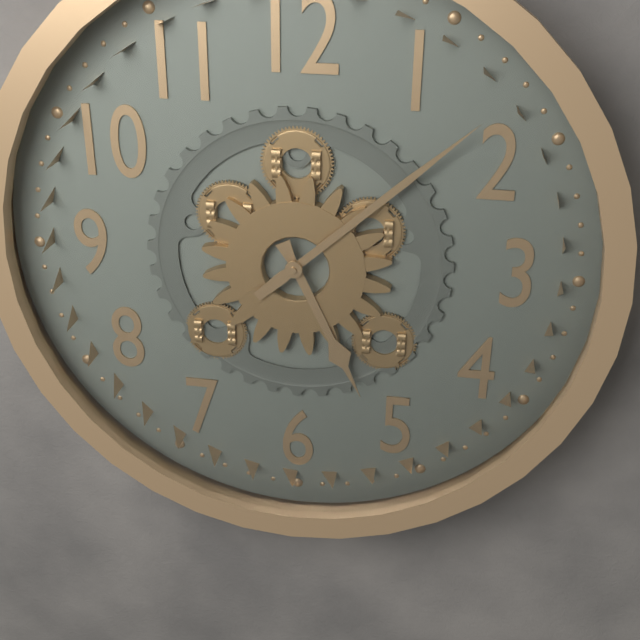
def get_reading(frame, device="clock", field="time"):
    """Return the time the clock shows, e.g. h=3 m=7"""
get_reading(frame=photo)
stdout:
h=5 m=8
